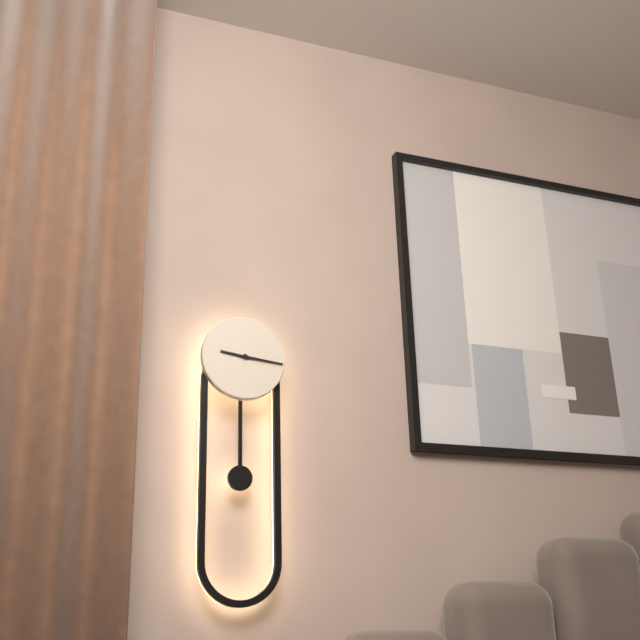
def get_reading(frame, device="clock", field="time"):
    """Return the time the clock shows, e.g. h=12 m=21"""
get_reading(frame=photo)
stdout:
h=9 m=16
